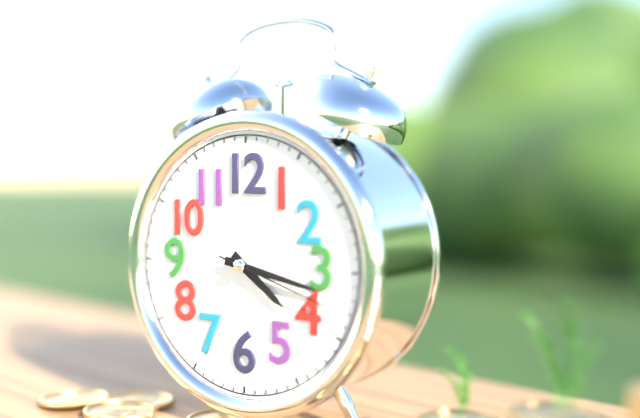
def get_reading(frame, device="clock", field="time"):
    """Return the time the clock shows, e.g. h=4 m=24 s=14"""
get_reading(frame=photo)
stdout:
h=4 m=17 s=18
